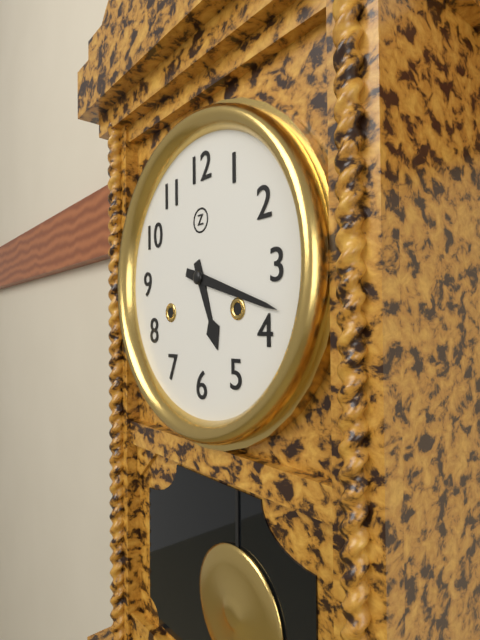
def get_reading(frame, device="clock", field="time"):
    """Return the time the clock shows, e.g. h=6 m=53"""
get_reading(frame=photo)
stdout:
h=5 m=18
